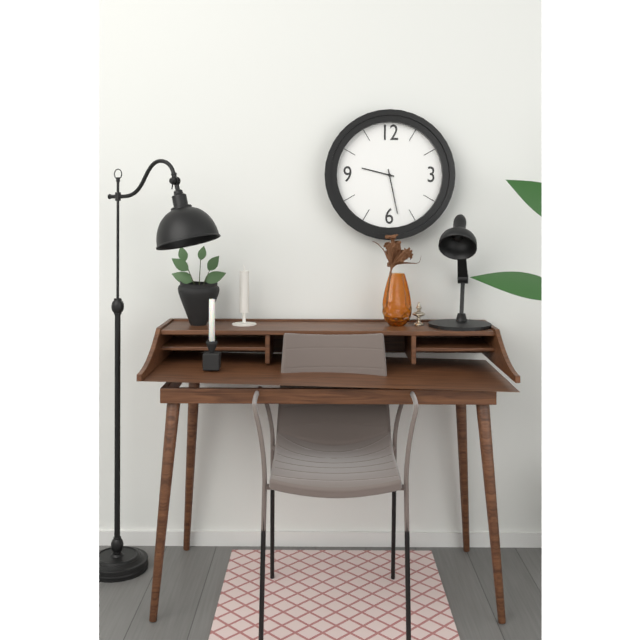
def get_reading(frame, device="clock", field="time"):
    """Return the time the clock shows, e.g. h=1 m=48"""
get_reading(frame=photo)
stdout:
h=9 m=28
